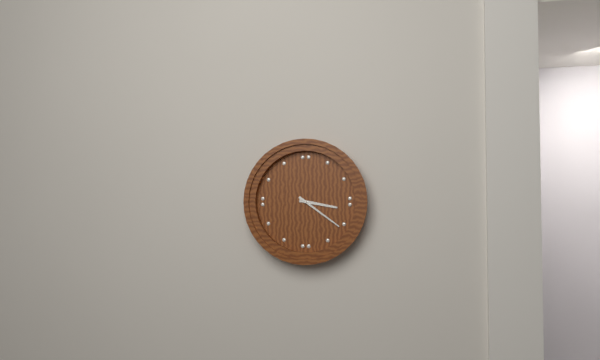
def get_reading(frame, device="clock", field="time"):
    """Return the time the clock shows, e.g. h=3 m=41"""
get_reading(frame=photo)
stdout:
h=3 m=21
